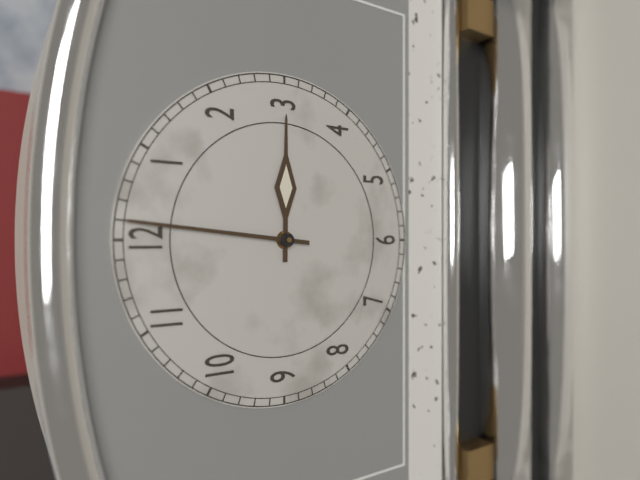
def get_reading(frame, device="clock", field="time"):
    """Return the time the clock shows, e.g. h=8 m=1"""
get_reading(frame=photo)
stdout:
h=3 m=1
